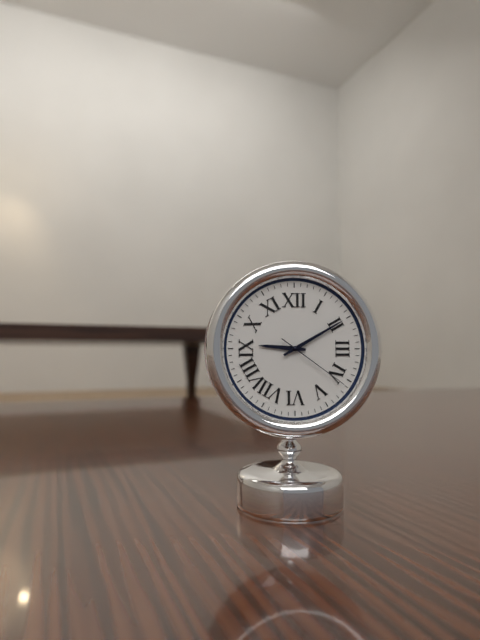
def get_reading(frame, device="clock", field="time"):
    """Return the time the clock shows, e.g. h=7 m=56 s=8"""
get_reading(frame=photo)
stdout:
h=9 m=10 s=21
